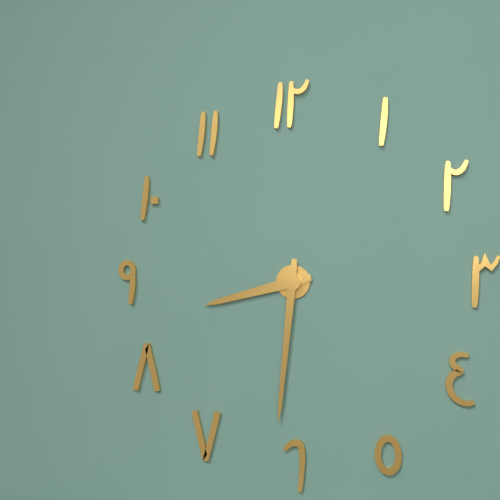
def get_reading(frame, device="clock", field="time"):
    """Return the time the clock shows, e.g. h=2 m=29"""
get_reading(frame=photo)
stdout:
h=8 m=31
